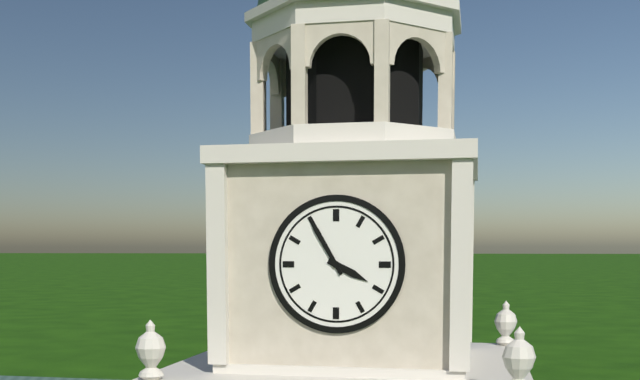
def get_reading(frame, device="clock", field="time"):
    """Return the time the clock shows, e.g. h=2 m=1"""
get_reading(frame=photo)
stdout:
h=3 m=55
